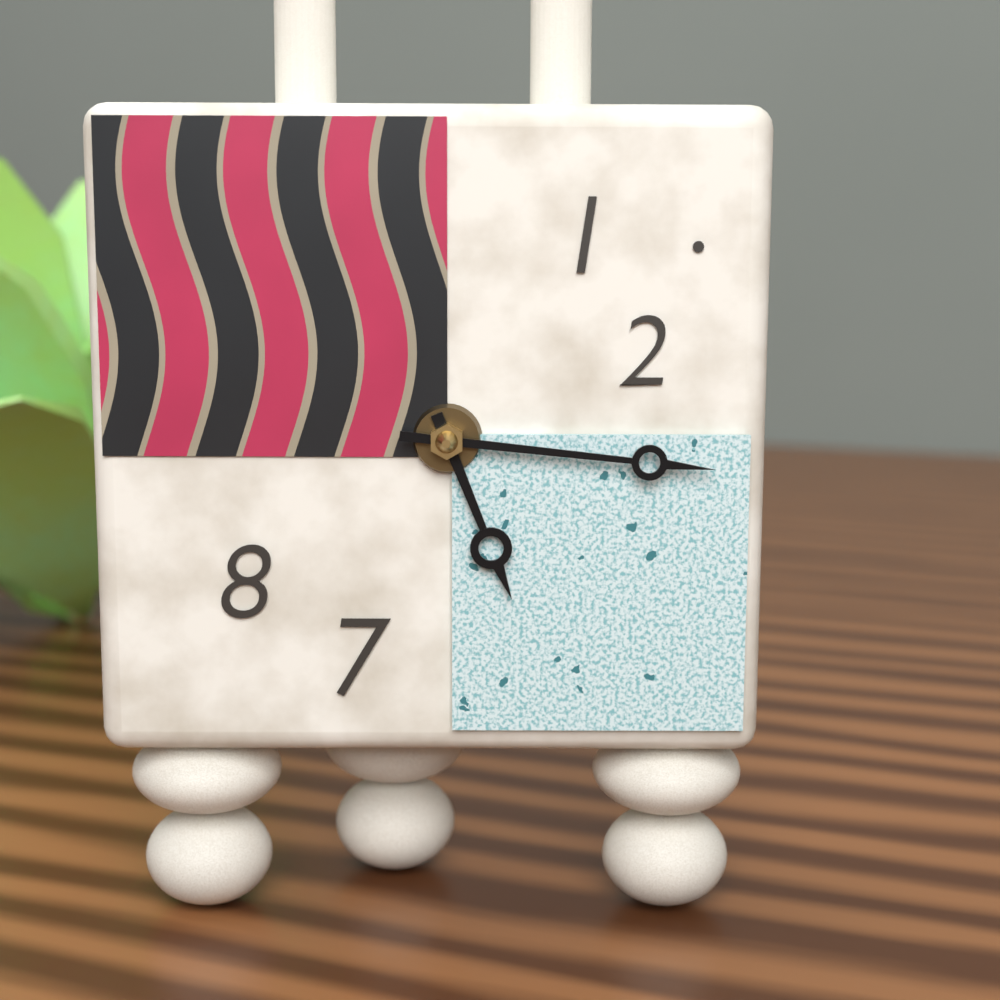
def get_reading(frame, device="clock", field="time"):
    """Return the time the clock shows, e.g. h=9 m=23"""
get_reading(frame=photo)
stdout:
h=5 m=16
